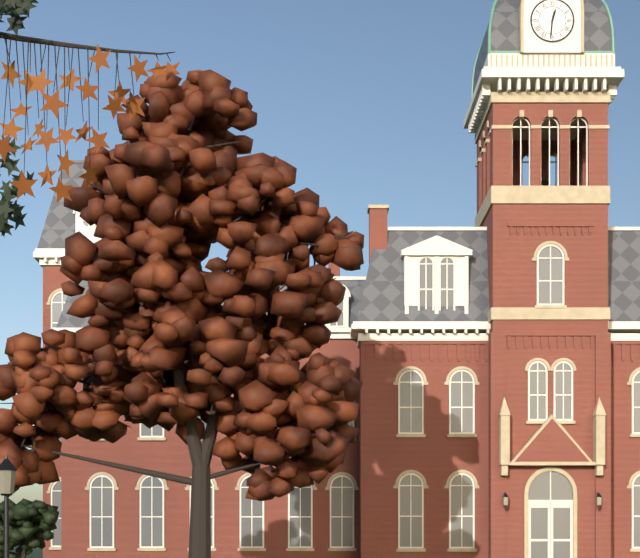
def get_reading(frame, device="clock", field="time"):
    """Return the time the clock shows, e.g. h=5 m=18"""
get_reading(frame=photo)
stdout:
h=12 m=31
